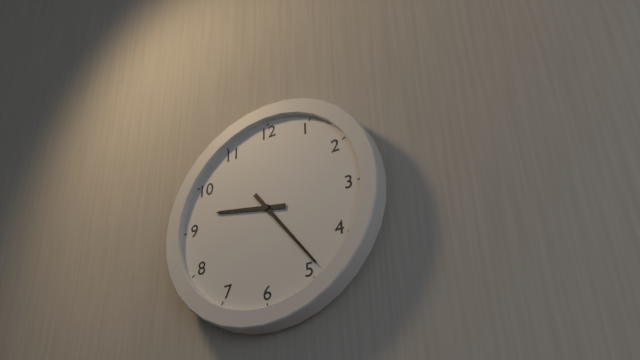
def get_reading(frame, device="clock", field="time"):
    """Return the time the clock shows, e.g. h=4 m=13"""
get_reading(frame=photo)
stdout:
h=9 m=24
